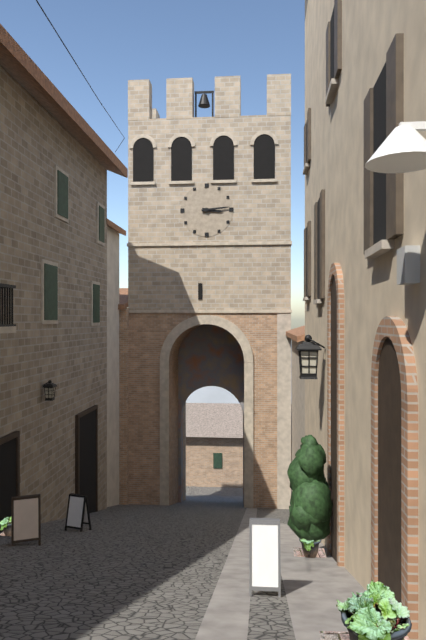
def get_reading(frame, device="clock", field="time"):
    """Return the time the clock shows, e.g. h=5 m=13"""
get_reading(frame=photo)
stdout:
h=3 m=14
